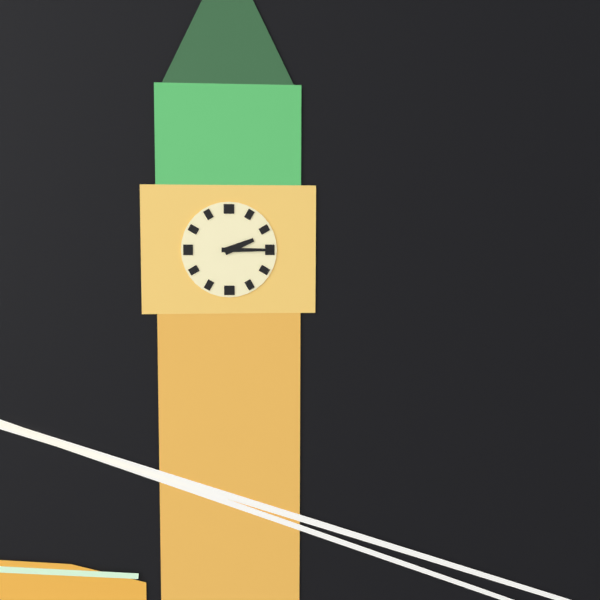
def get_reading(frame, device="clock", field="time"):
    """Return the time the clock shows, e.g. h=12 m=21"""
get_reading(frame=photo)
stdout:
h=2 m=15
